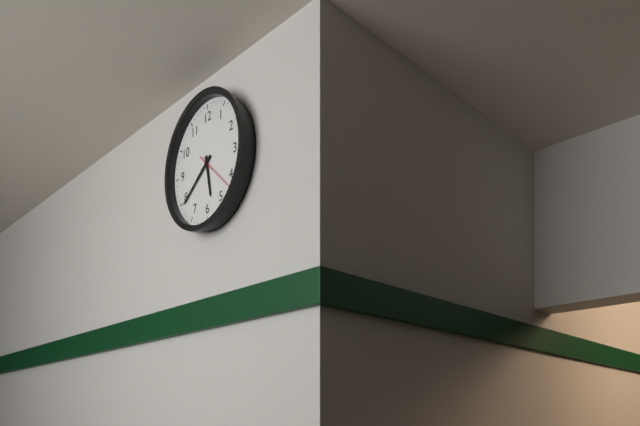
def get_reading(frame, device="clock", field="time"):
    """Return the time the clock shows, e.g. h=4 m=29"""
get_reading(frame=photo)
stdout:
h=5 m=39
